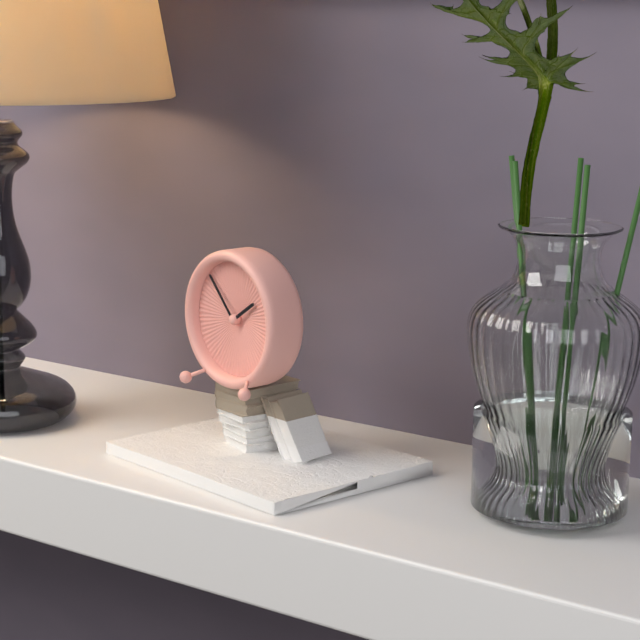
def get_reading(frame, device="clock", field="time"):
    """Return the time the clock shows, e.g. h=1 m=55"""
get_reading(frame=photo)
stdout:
h=1 m=53
